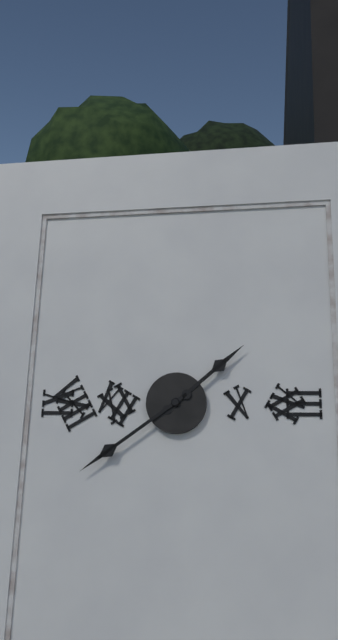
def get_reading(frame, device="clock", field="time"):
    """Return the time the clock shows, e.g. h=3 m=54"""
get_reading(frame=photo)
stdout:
h=1 m=39
